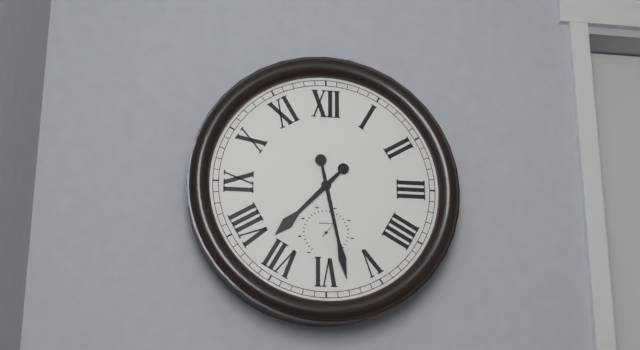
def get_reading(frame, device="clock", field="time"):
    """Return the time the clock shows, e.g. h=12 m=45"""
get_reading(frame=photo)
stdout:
h=7 m=28
